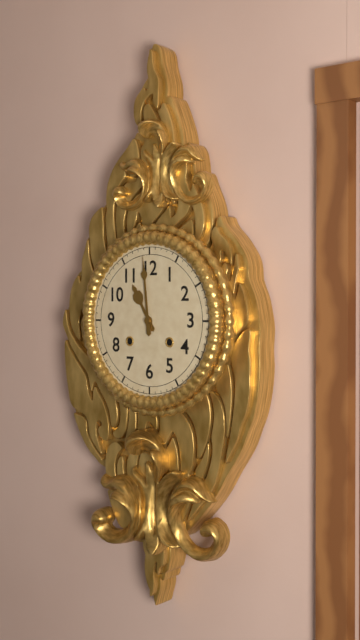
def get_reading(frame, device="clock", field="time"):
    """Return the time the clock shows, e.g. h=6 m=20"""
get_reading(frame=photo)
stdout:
h=10 m=59
